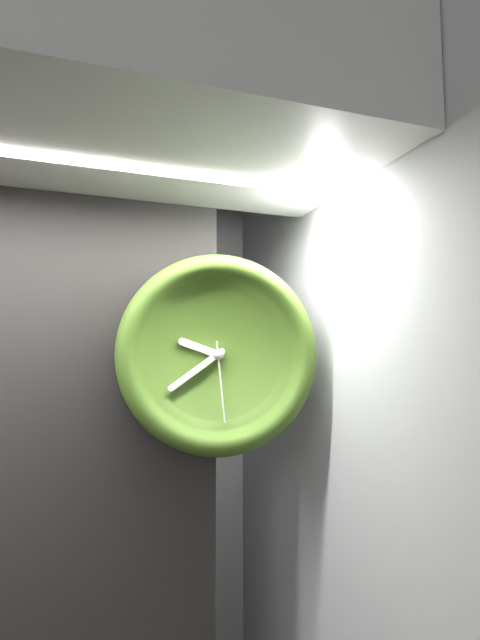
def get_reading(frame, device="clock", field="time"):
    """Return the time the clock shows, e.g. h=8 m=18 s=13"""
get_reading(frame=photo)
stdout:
h=9 m=39 s=29
